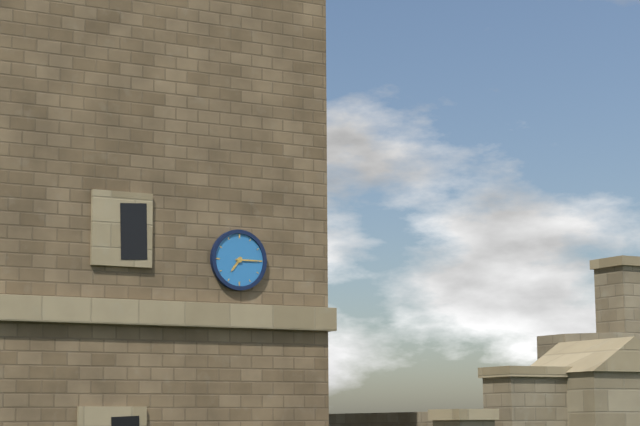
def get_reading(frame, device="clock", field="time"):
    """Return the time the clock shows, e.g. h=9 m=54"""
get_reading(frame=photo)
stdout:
h=7 m=15
